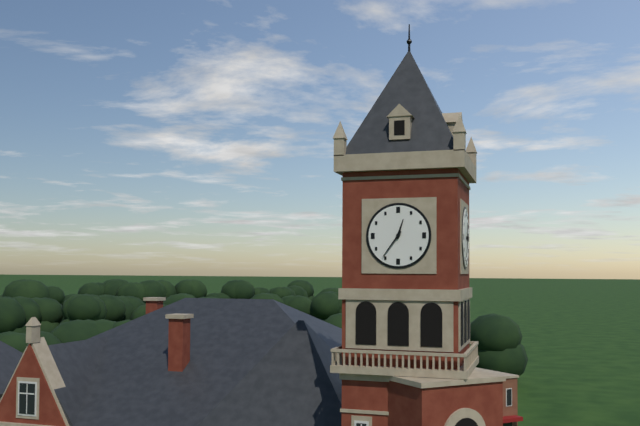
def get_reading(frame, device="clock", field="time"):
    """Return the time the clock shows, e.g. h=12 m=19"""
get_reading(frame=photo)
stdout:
h=12 m=36
